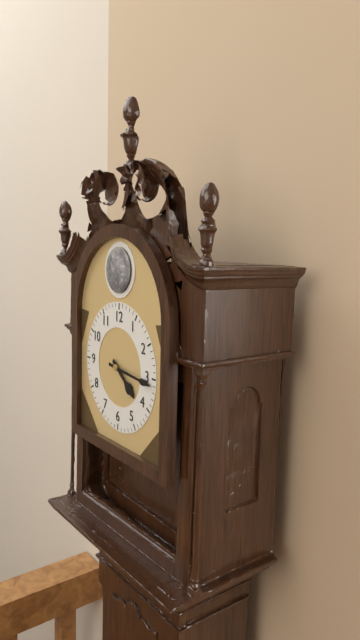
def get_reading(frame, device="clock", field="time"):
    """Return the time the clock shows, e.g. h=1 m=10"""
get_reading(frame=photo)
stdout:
h=4 m=16
